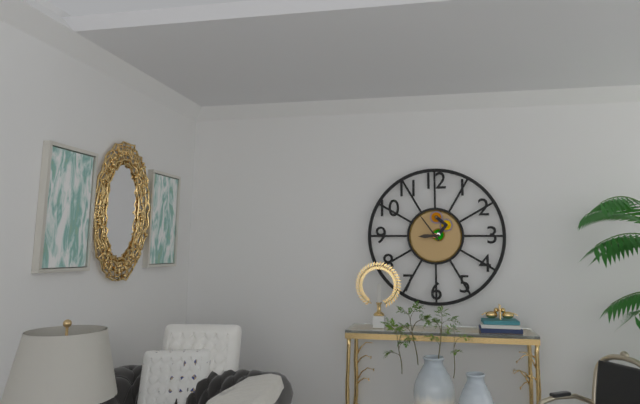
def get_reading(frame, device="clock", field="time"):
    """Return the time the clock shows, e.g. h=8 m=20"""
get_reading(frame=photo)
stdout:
h=8 m=54
